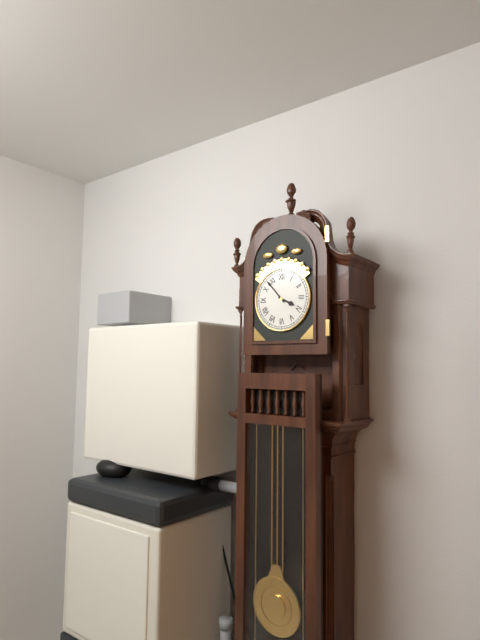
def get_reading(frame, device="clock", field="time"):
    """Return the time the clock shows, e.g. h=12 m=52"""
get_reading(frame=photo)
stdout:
h=3 m=53
